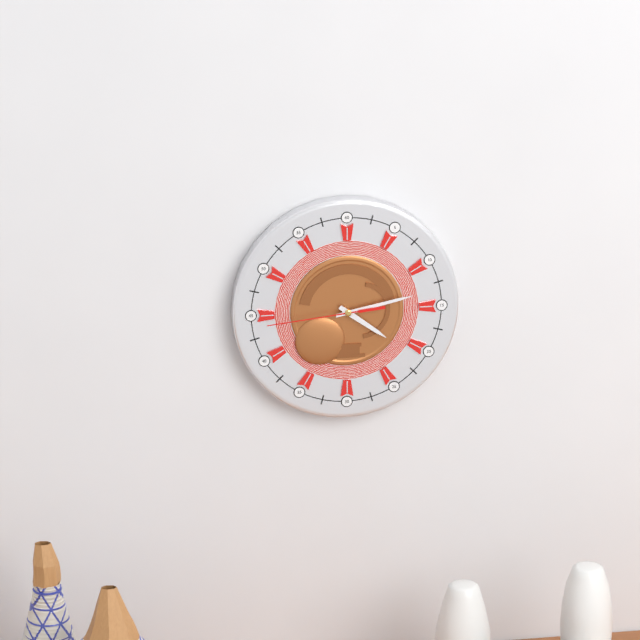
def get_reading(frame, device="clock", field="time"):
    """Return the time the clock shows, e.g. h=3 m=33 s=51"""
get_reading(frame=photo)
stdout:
h=4 m=13 s=44
